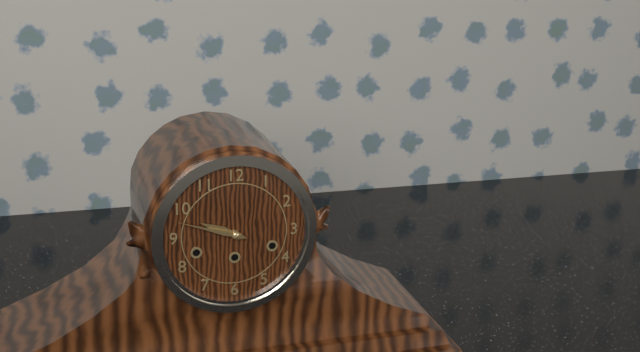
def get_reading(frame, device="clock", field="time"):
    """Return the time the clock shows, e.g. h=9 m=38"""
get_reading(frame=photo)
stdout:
h=9 m=48
